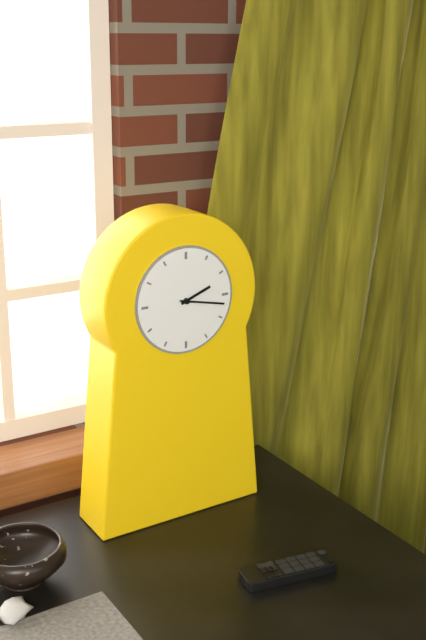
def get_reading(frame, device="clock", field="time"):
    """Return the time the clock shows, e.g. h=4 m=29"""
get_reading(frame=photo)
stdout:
h=2 m=17
